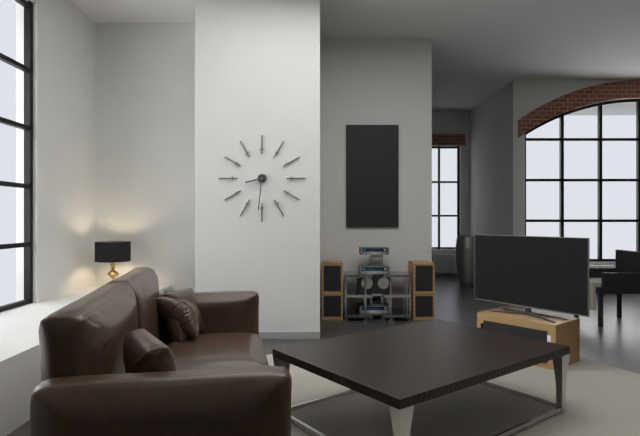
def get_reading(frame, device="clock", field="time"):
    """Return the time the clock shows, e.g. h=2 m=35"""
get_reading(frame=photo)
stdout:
h=8 m=31
